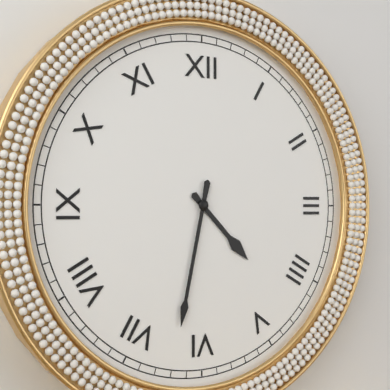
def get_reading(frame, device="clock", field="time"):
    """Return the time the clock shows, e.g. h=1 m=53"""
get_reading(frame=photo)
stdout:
h=4 m=32
